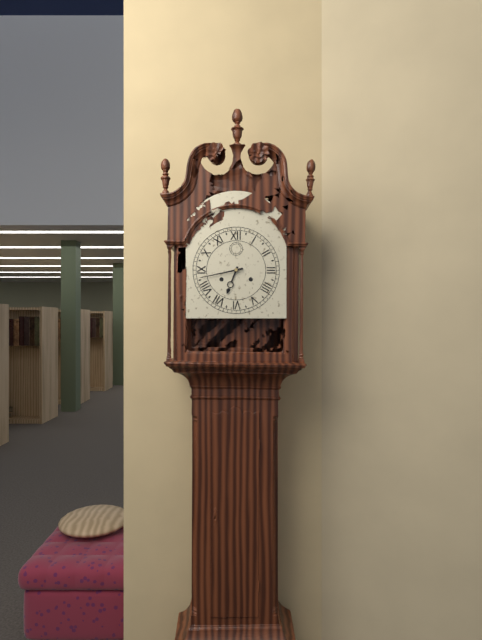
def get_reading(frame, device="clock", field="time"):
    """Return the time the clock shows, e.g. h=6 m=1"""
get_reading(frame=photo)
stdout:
h=6 m=43
